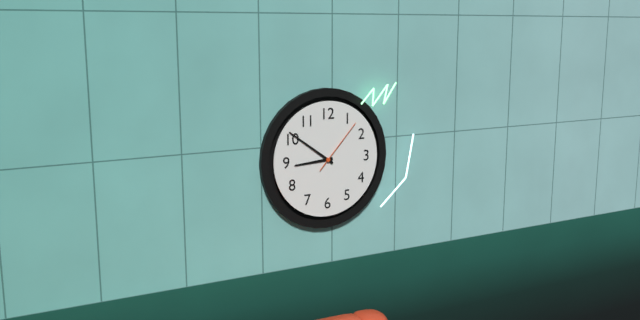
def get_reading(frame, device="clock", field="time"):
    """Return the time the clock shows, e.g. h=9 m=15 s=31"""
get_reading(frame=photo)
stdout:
h=8 m=51 s=7
